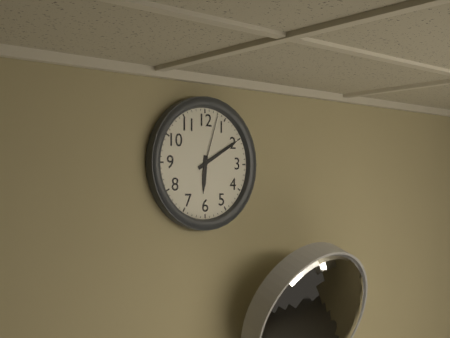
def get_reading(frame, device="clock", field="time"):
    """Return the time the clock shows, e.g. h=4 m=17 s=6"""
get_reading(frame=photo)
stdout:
h=6 m=10 s=3
